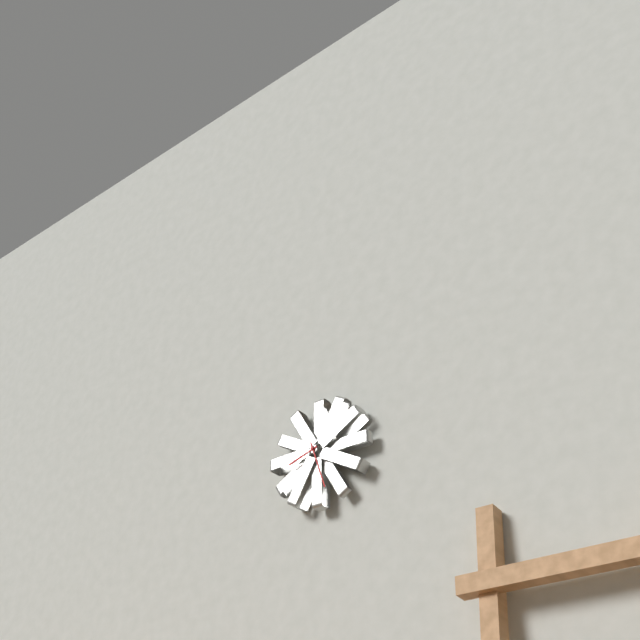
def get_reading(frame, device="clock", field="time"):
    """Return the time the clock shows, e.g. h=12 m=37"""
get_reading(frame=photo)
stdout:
h=8 m=27
